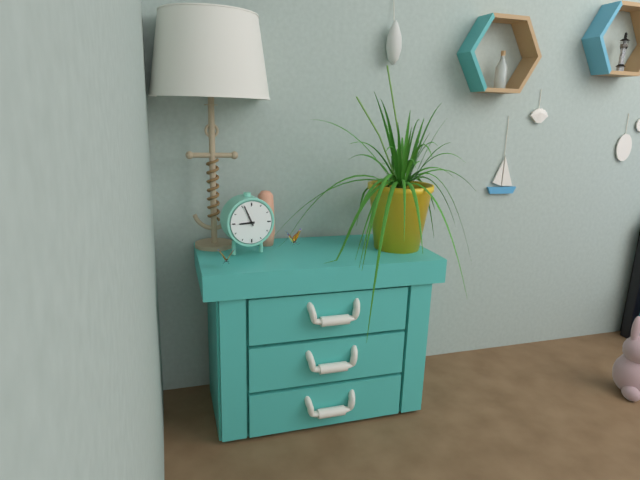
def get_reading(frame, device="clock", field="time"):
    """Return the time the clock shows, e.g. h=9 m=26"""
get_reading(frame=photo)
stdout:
h=8 m=56
